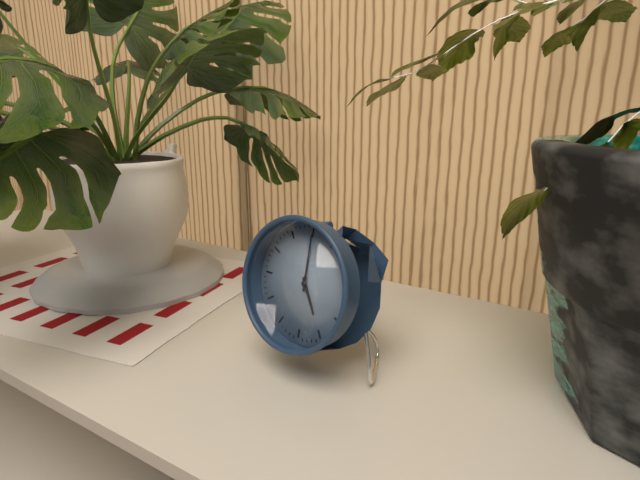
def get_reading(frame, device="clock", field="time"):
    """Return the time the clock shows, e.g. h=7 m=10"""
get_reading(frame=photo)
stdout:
h=5 m=0
